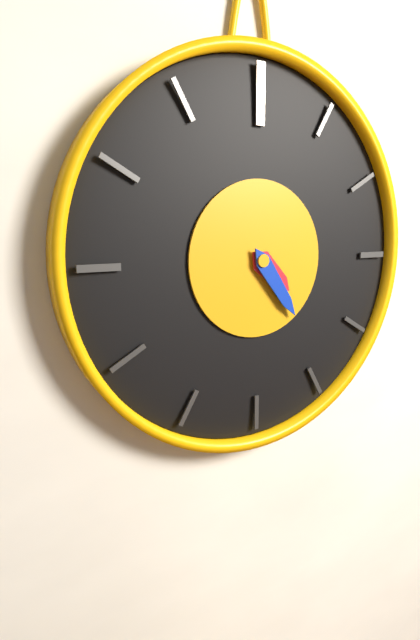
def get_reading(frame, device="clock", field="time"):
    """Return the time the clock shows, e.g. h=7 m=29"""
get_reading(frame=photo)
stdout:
h=4 m=24
